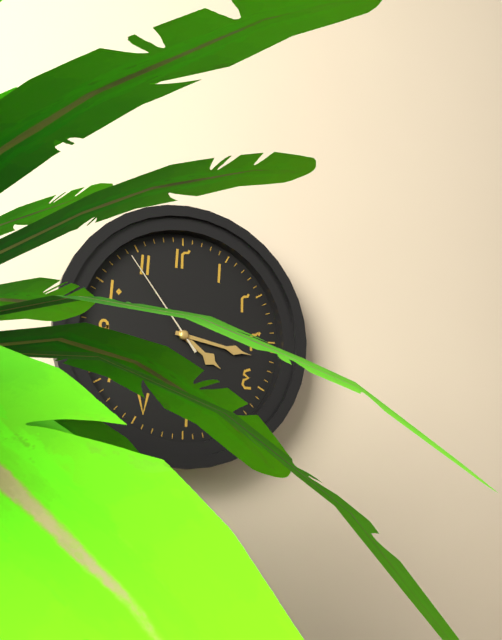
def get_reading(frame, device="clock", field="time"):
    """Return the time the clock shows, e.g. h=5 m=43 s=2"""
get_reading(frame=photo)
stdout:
h=4 m=17 s=54
